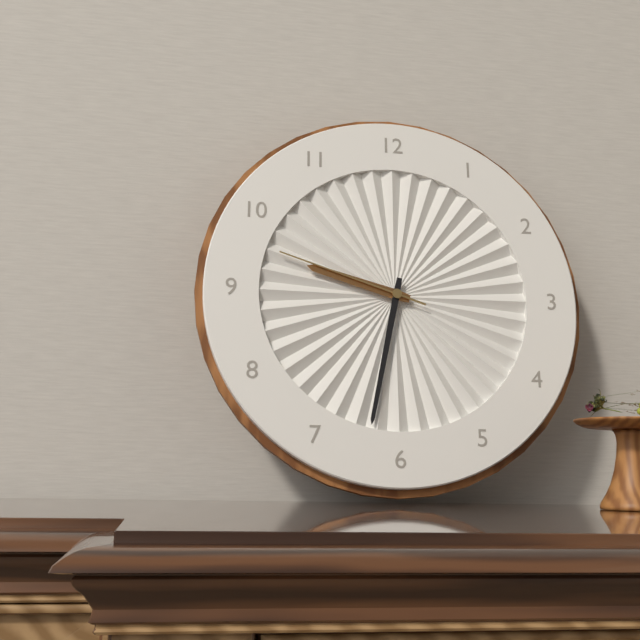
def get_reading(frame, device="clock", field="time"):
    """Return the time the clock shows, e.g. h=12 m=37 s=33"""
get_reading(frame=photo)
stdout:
h=9 m=32 s=48
